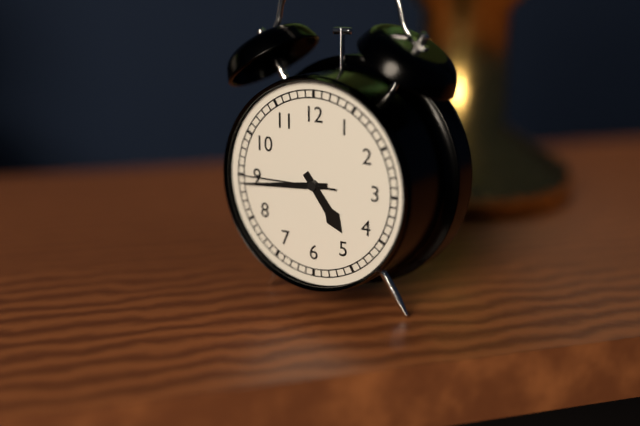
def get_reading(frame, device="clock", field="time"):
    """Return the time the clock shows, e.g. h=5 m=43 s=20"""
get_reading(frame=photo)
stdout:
h=4 m=44 s=45
